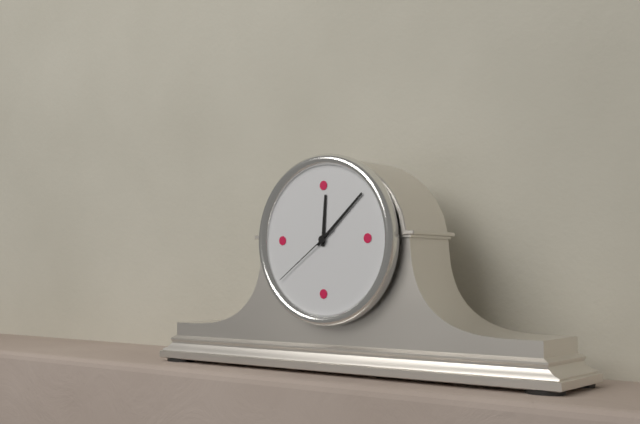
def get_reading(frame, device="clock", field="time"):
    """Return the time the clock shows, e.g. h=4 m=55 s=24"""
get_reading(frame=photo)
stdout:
h=12 m=8 s=39
